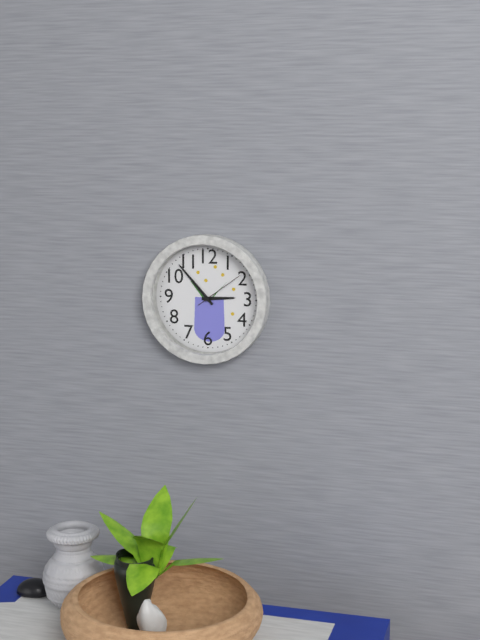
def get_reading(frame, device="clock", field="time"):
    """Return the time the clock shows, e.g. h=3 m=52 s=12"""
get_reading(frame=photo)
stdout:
h=2 m=53 s=9
